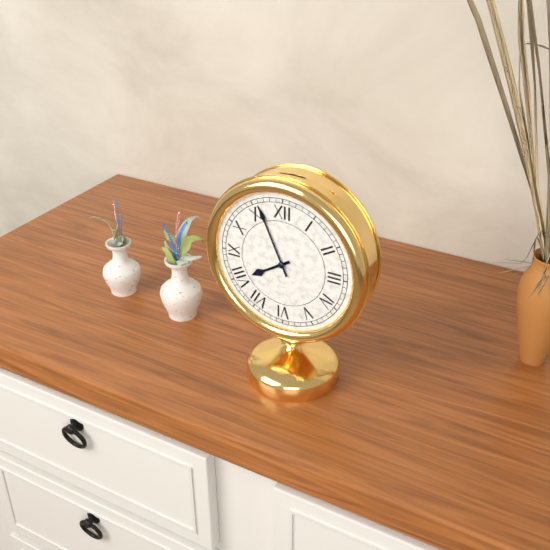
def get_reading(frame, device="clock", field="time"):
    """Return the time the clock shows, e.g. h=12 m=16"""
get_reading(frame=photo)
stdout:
h=7 m=56
